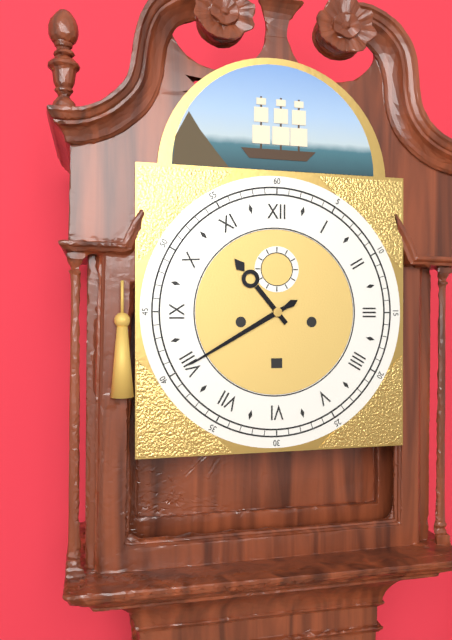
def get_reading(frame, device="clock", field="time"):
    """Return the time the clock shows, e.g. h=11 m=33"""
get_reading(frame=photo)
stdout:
h=10 m=40
